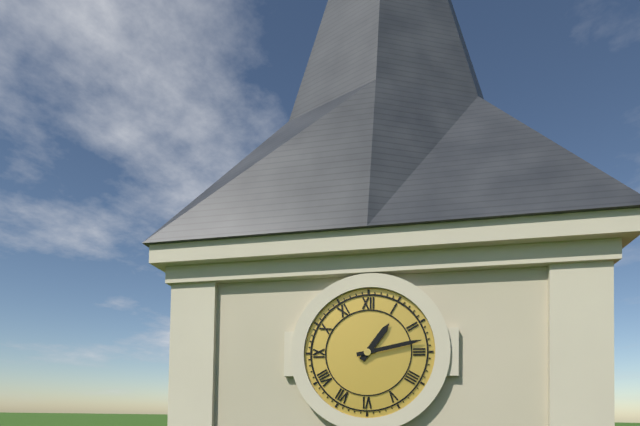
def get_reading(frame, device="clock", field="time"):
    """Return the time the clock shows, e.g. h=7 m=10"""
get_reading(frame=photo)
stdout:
h=1 m=13
